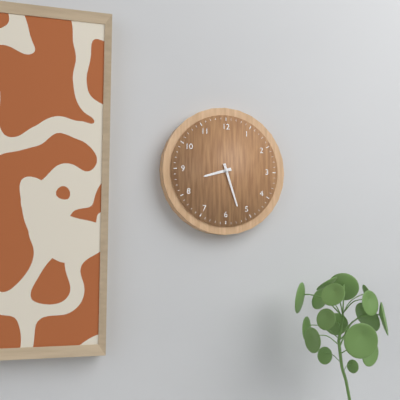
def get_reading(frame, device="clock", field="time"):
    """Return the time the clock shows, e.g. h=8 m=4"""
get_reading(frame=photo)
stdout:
h=8 m=27
